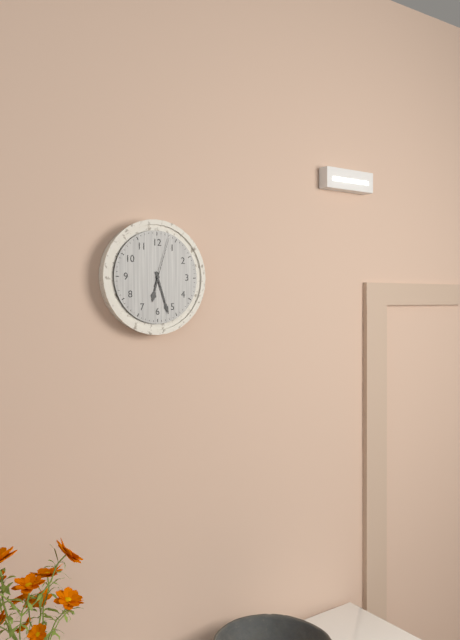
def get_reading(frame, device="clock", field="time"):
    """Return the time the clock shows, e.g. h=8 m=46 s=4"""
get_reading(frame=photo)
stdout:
h=6 m=27 s=3
